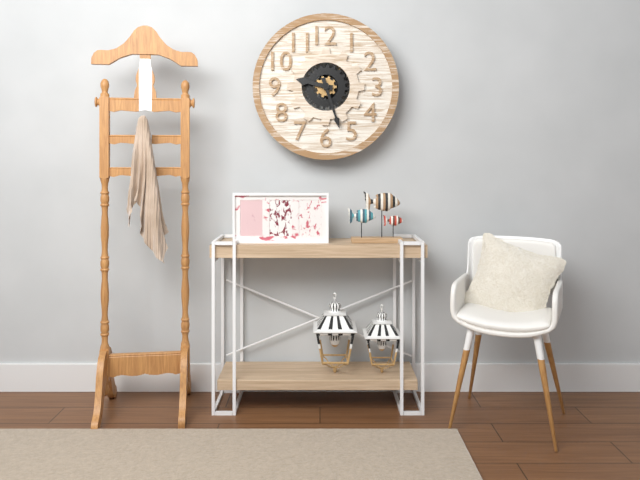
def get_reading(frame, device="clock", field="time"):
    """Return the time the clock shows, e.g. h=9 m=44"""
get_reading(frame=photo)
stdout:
h=9 m=27
